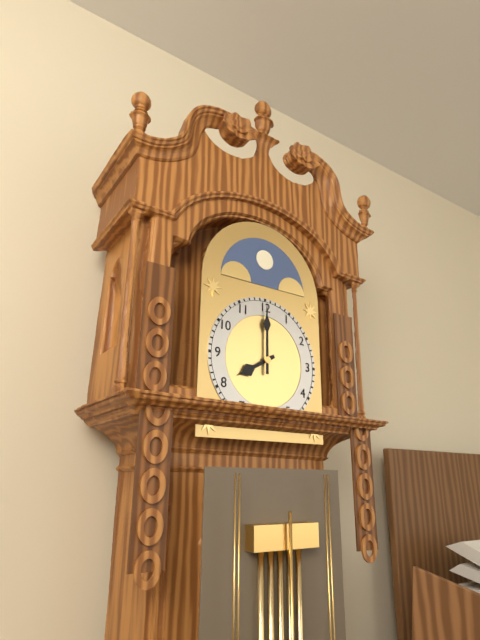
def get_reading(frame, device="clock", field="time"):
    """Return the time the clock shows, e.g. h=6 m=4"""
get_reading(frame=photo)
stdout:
h=8 m=0
